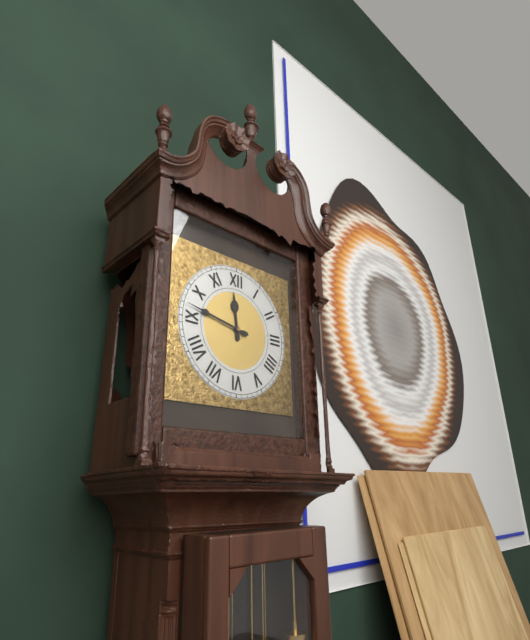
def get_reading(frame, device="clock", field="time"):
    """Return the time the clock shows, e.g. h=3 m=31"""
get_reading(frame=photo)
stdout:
h=11 m=47
